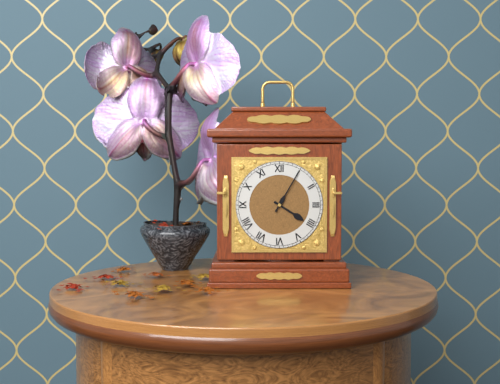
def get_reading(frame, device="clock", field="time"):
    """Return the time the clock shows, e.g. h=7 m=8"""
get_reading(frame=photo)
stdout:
h=4 m=5
